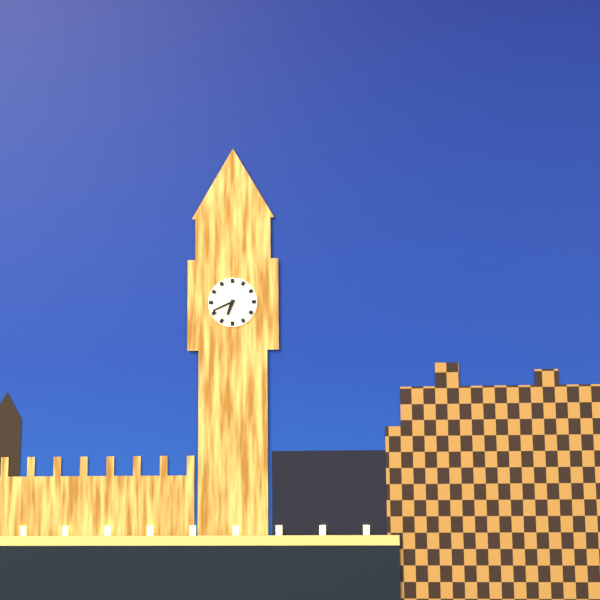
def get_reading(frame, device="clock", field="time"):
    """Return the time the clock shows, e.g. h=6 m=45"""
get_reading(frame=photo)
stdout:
h=6 m=41
